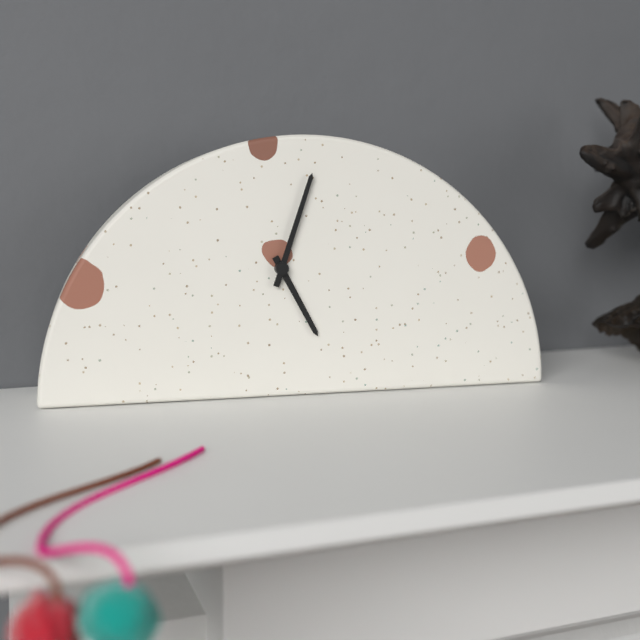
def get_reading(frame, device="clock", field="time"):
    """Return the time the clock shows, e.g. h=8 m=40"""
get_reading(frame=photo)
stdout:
h=5 m=3
